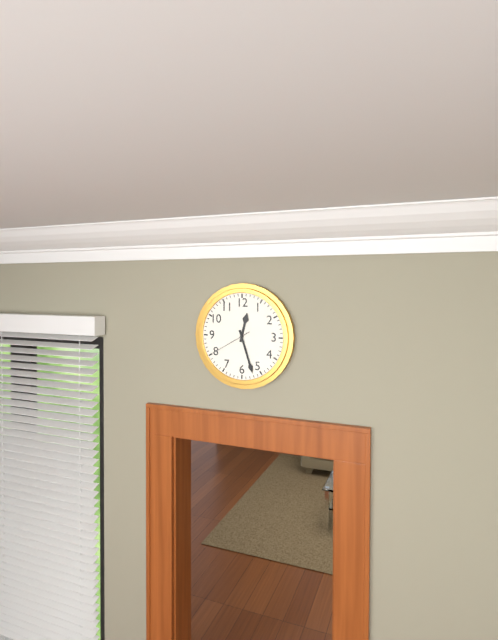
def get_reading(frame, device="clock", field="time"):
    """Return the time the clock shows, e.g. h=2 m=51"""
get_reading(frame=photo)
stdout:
h=12 m=27
